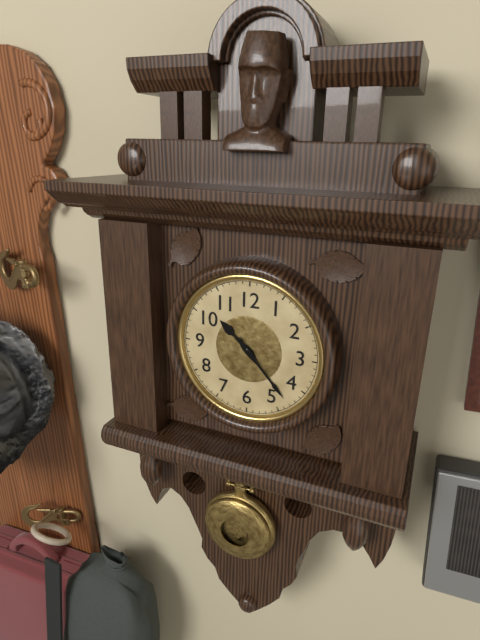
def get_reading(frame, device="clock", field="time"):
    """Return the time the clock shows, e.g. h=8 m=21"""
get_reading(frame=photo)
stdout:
h=10 m=23
